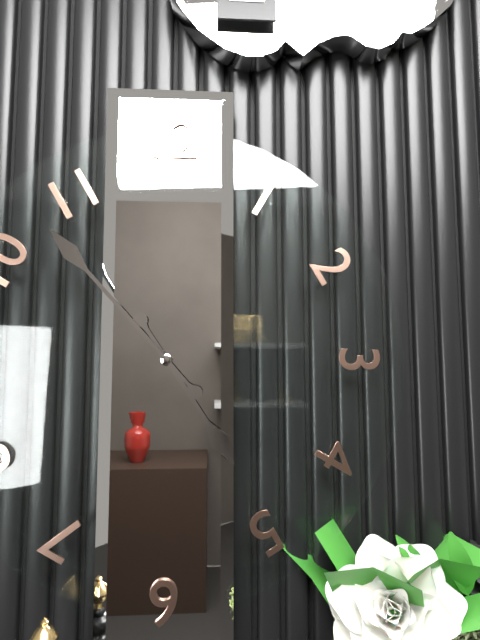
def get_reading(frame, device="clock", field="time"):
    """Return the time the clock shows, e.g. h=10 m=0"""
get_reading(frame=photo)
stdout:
h=4 m=53
